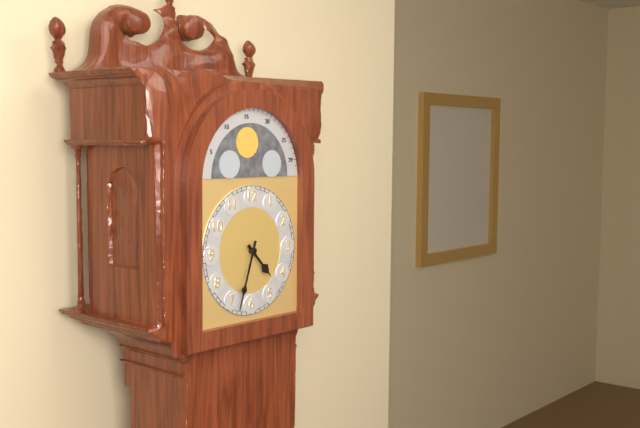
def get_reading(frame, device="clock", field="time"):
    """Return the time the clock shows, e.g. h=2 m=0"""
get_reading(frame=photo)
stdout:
h=4 m=33
